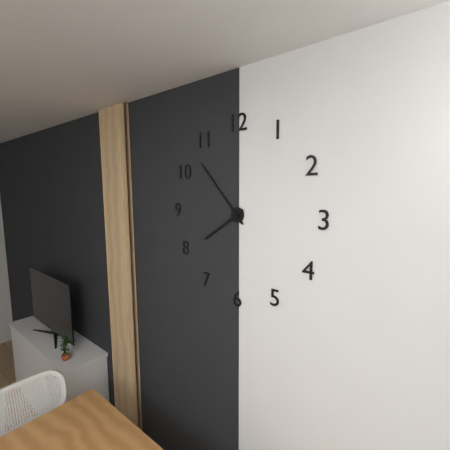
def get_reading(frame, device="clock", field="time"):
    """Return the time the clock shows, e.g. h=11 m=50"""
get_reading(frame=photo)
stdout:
h=7 m=53
